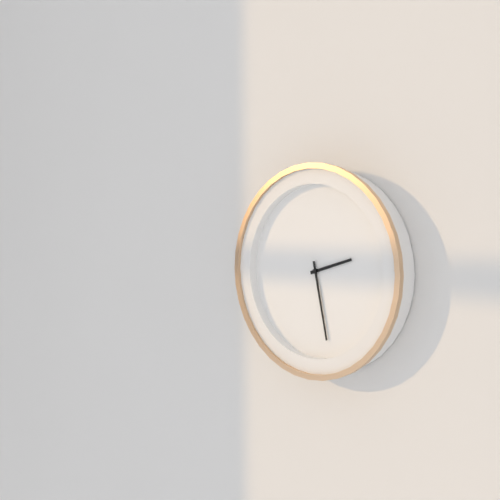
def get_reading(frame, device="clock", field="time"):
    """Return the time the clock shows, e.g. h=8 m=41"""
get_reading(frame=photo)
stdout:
h=2 m=28
